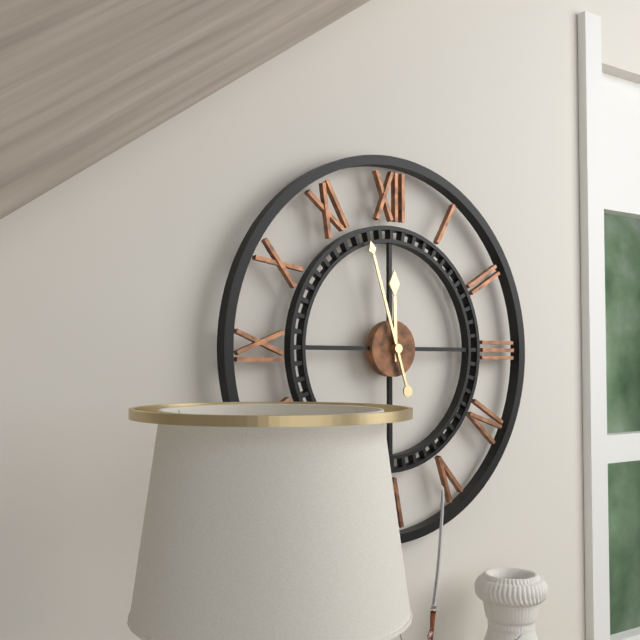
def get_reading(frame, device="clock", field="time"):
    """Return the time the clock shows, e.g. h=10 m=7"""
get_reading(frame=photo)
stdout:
h=11 m=57
